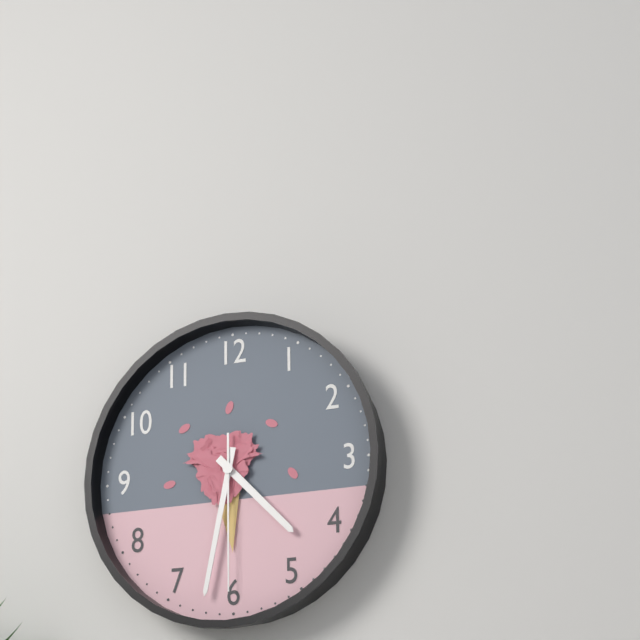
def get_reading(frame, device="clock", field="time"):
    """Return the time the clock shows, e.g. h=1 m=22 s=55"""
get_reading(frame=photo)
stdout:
h=4 m=32 s=30
